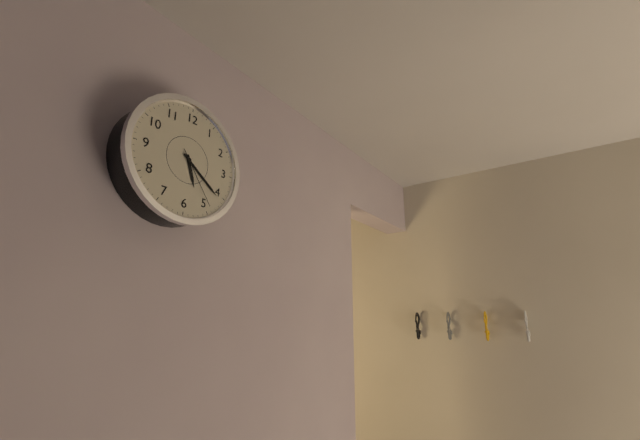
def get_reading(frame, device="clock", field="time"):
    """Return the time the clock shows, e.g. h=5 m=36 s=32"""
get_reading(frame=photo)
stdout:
h=5 m=21 s=24
